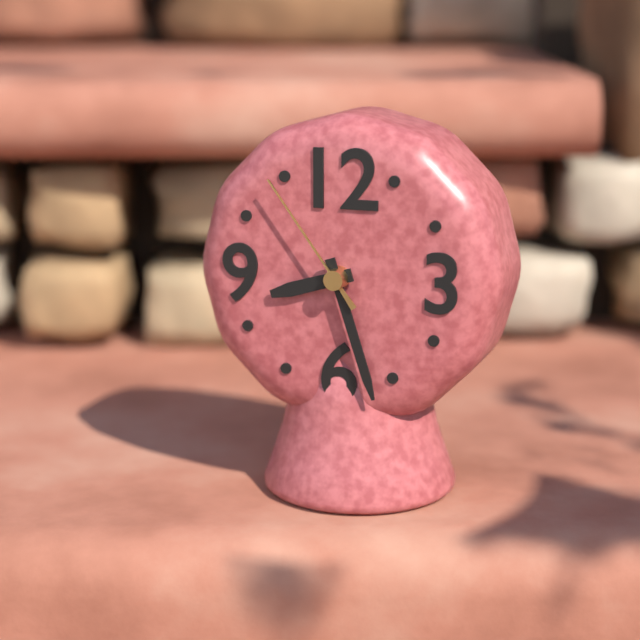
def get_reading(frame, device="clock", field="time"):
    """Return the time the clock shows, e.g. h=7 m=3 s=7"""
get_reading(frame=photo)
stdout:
h=8 m=27 s=54
